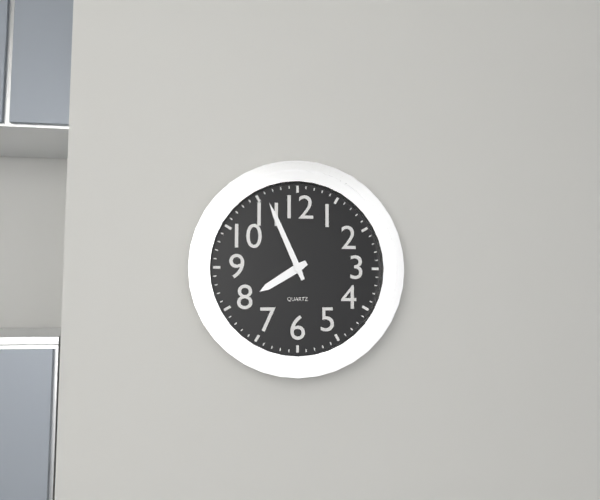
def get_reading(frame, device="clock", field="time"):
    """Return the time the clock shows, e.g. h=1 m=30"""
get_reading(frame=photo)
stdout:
h=7 m=56
